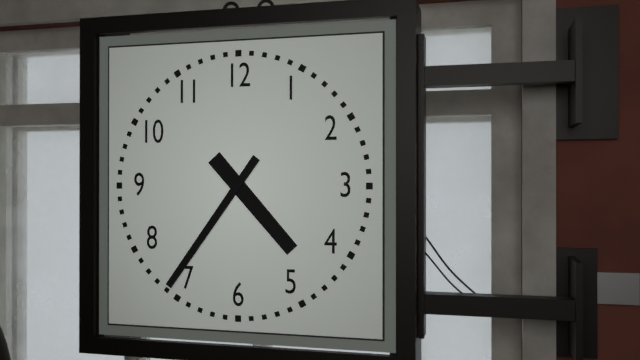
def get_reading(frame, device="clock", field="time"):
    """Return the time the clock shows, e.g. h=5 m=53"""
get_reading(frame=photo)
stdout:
h=4 m=36
